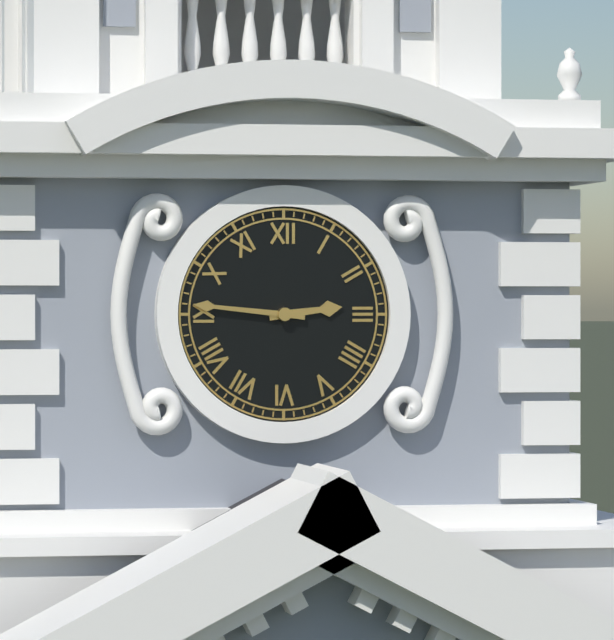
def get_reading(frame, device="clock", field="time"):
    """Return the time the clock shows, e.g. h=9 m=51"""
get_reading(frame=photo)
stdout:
h=2 m=46
